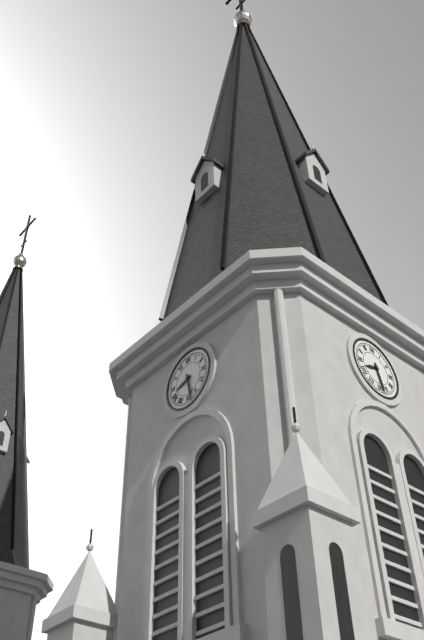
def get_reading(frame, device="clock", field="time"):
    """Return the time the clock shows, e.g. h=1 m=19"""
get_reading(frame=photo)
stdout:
h=8 m=28
